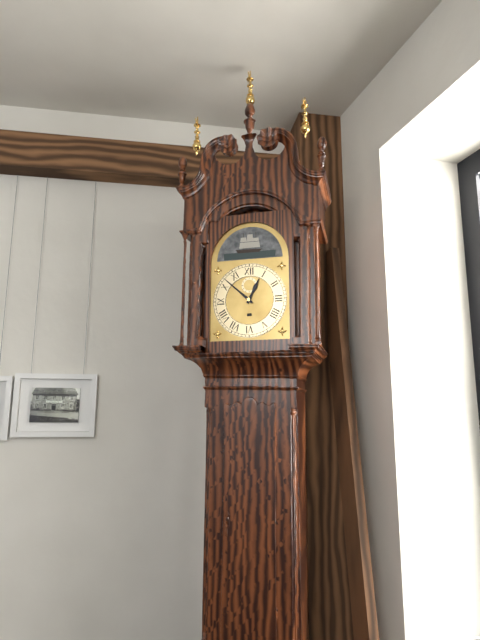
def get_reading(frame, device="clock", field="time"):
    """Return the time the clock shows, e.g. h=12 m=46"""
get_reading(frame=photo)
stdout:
h=12 m=52
